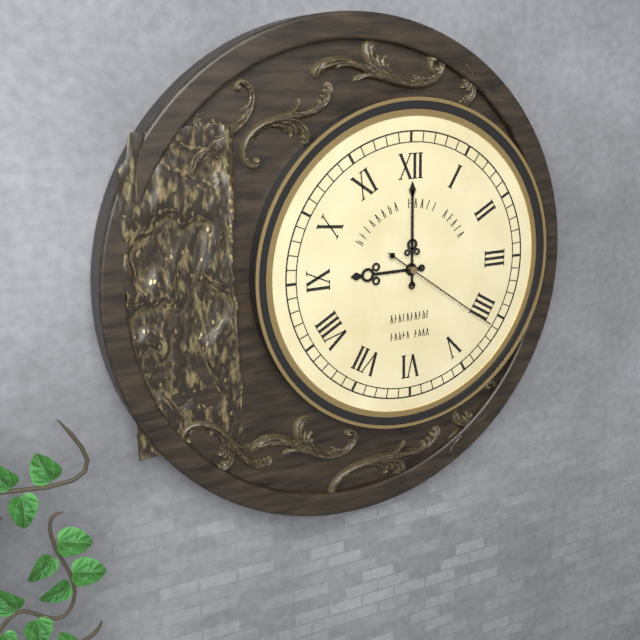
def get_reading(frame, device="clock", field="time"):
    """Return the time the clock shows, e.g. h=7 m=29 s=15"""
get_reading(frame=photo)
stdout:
h=9 m=0 s=21
